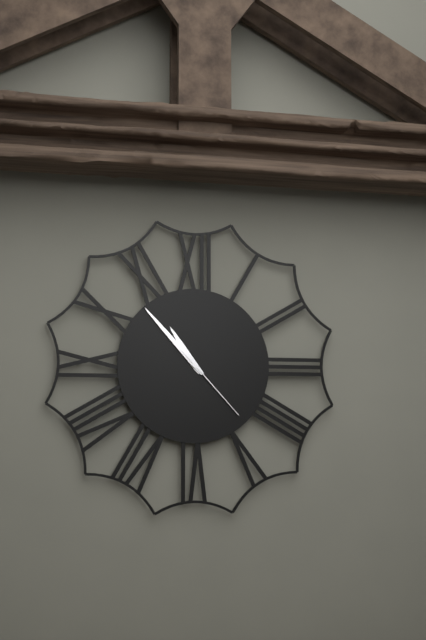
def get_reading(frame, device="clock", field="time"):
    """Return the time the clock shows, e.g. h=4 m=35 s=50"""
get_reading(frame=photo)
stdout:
h=10 m=53 s=23
